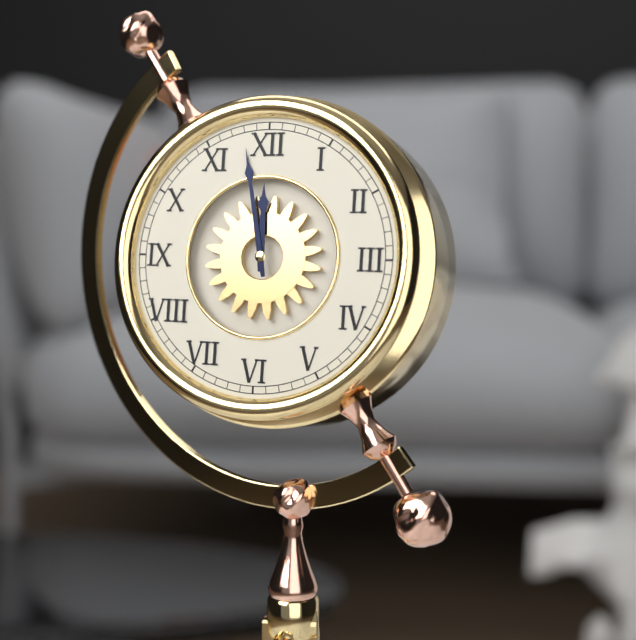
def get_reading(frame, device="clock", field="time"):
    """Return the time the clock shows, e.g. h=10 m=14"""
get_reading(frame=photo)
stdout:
h=11 m=58
